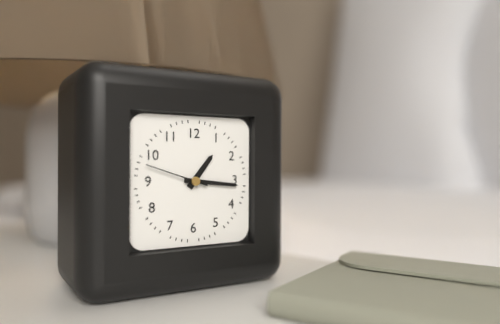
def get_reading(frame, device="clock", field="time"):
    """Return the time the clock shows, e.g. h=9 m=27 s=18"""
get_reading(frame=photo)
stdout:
h=1 m=16 s=48
